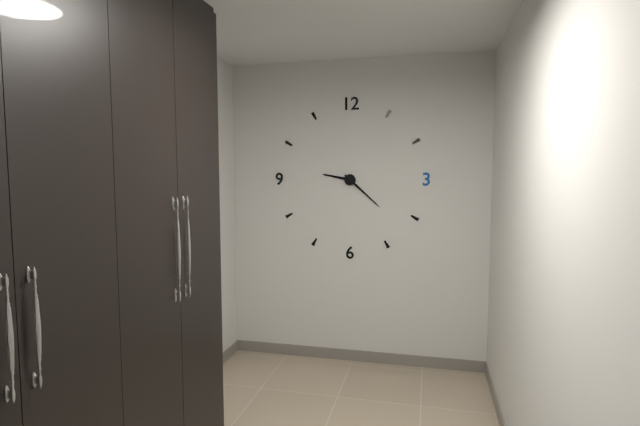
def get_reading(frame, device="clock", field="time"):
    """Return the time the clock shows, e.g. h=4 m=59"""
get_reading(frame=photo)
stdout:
h=9 m=22
